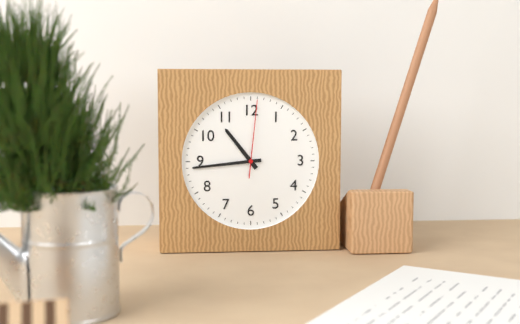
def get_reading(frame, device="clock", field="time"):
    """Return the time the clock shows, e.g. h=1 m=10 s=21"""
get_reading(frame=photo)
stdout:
h=10 m=44 s=1
